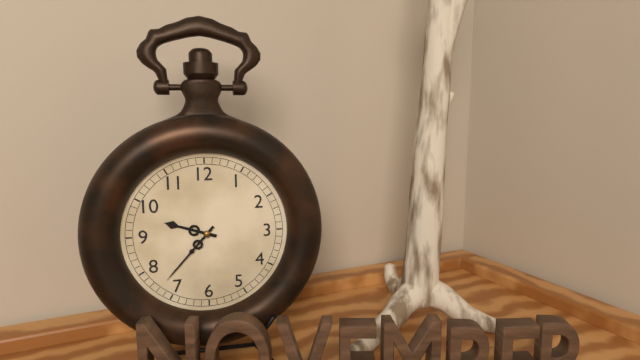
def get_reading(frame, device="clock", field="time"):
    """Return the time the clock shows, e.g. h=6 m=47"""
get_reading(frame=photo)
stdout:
h=9 m=37
